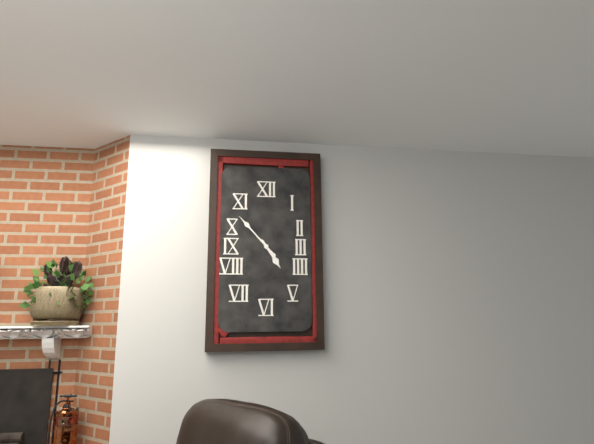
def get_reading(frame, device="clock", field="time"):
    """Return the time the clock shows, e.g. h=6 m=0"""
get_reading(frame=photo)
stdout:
h=4 m=53
